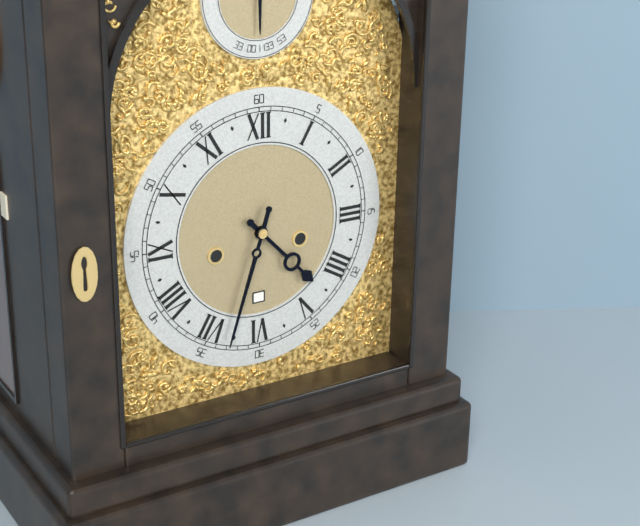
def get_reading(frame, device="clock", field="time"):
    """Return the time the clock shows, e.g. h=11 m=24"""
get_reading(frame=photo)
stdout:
h=4 m=33
